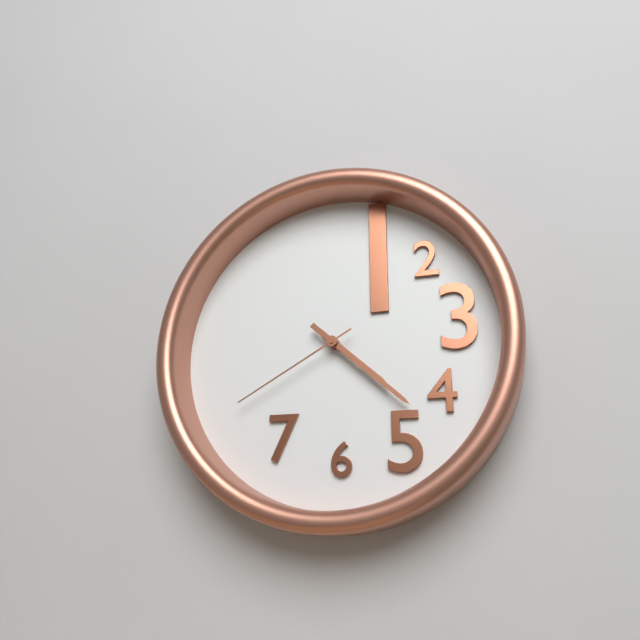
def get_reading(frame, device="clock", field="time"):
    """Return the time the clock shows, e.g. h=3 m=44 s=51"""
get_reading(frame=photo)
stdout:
h=4 m=22 s=40
